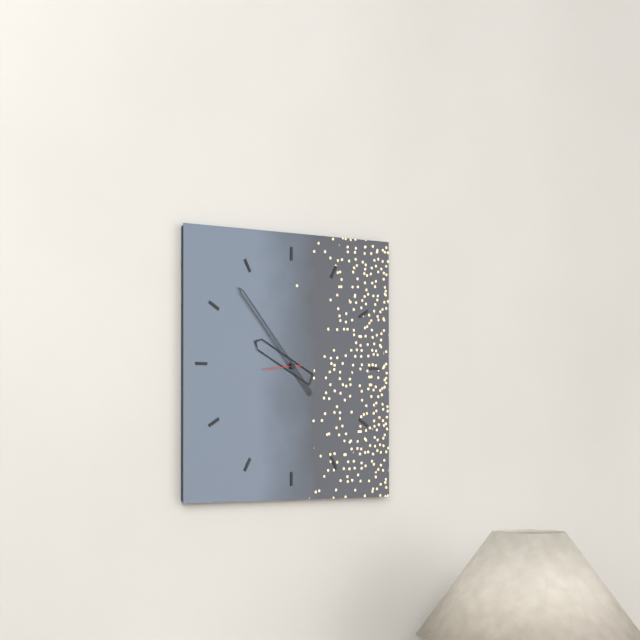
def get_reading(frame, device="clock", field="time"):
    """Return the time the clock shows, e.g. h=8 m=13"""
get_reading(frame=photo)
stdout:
h=9 m=53
